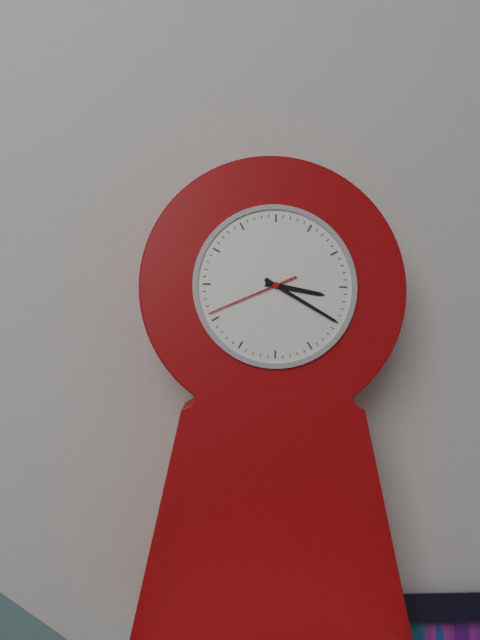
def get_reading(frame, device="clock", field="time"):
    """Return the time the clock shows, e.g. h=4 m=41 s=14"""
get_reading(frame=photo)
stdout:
h=3 m=20 s=41
